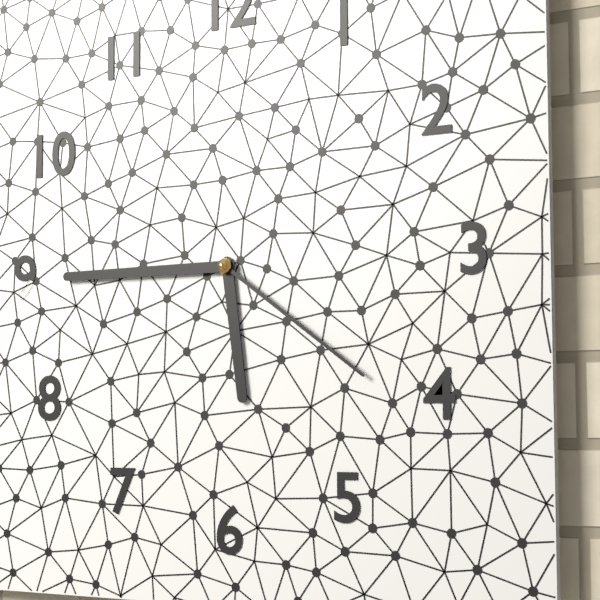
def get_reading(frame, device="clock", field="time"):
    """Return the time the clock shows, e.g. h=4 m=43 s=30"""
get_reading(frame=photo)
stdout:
h=5 m=45 s=21
